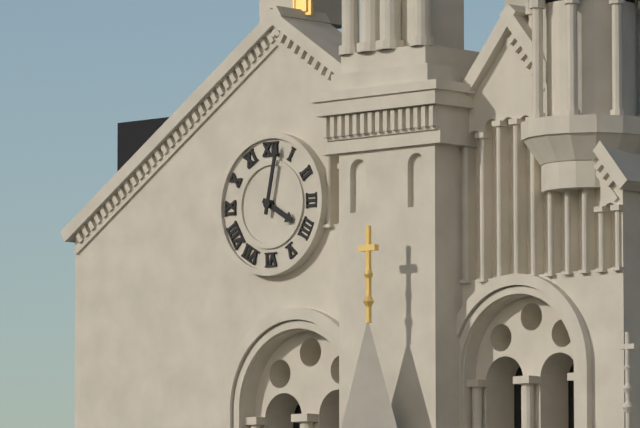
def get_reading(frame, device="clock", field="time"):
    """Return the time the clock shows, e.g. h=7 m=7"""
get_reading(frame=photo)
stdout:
h=4 m=2
